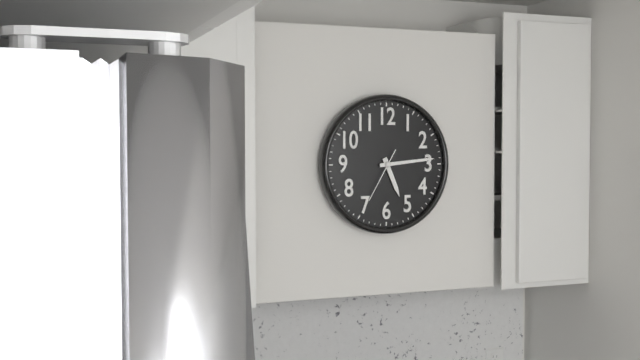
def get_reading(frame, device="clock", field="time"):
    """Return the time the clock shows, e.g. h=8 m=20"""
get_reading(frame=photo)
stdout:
h=5 m=14
